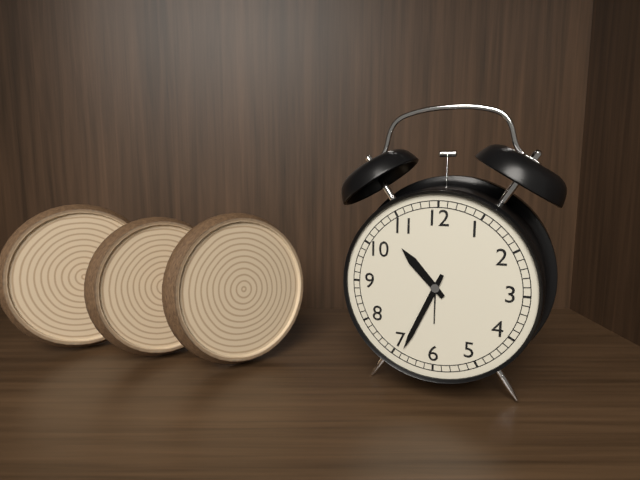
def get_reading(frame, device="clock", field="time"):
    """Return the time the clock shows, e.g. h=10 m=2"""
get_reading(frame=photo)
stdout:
h=10 m=34
